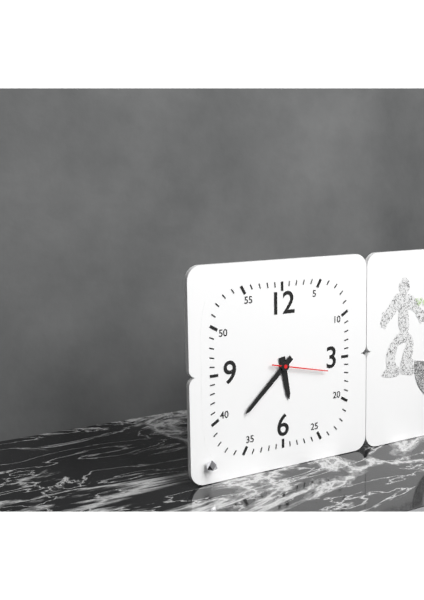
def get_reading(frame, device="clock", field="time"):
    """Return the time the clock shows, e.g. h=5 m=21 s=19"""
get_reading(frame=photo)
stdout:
h=5 m=38 s=17
